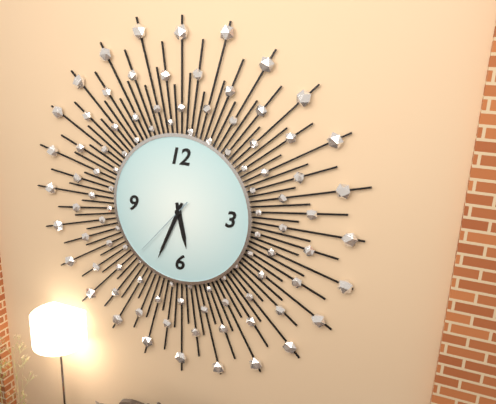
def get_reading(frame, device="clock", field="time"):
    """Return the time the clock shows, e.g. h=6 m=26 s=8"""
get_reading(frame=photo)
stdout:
h=5 m=34 s=37
